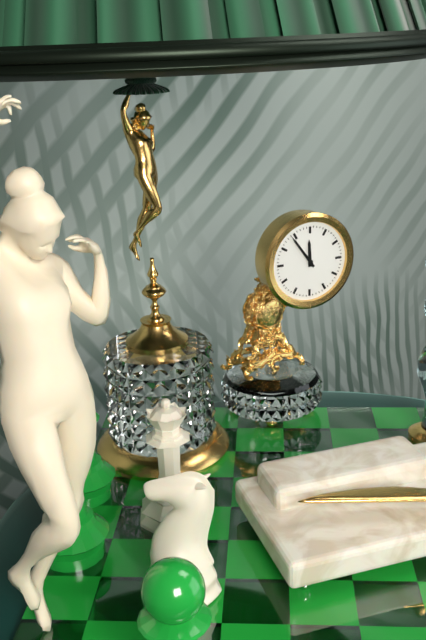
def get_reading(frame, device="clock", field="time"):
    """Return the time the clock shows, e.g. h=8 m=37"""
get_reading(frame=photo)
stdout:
h=11 m=54
